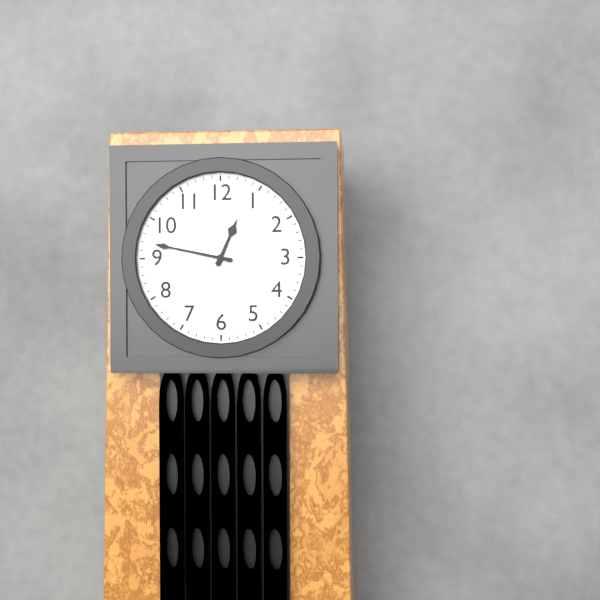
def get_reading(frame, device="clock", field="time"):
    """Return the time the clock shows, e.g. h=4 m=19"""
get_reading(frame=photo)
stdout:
h=12 m=47
